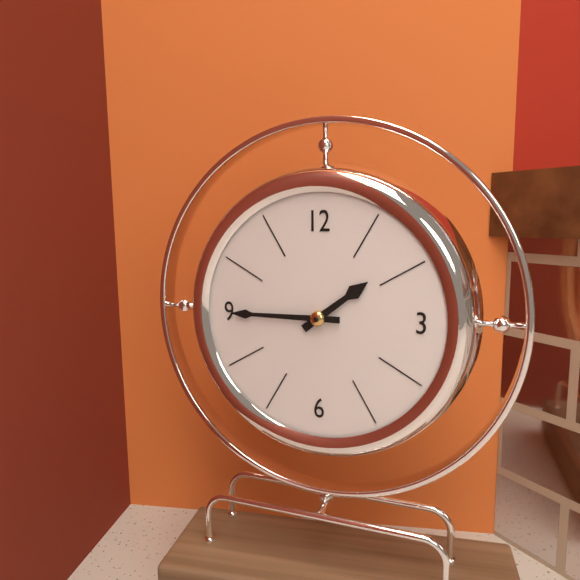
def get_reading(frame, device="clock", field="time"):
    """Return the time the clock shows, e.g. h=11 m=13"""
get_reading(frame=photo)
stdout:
h=1 m=45
